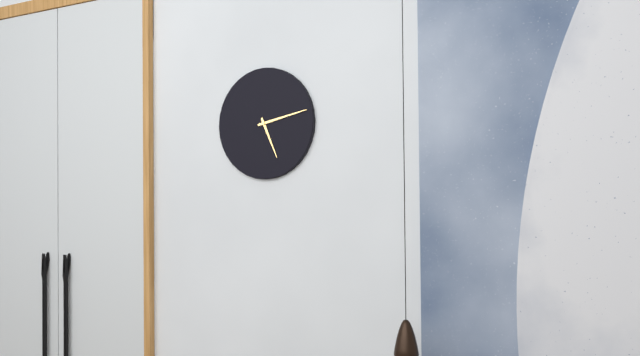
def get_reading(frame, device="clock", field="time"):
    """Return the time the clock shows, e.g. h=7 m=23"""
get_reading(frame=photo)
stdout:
h=5 m=13
